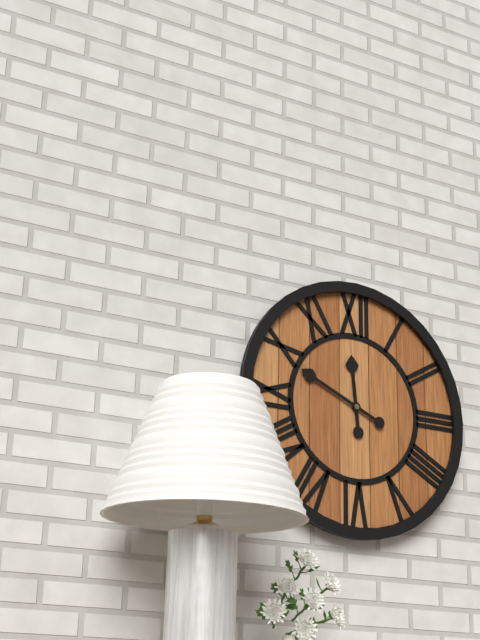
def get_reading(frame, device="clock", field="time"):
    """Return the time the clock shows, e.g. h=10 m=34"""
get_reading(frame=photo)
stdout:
h=11 m=49
